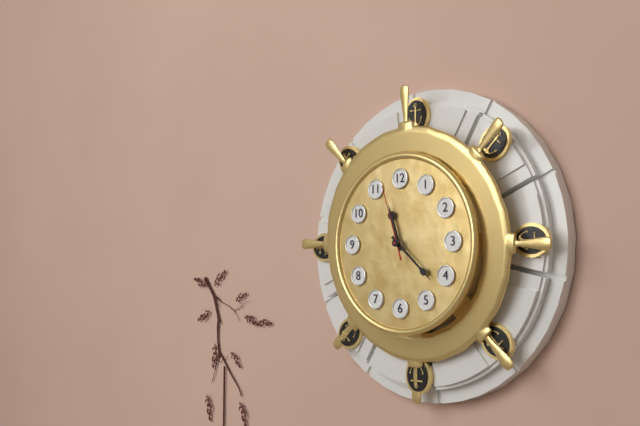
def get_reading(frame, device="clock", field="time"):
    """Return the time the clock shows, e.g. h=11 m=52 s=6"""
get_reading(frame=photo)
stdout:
h=11 m=22 s=57
